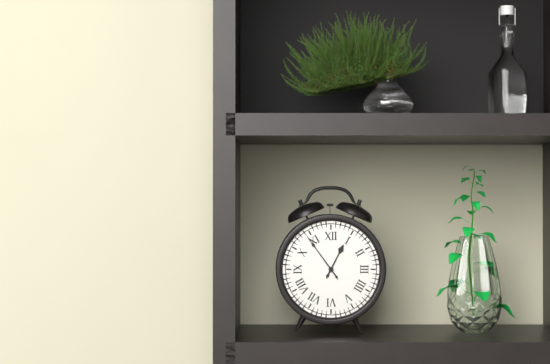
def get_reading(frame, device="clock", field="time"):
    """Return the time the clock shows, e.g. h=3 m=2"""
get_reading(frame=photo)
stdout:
h=12 m=54
